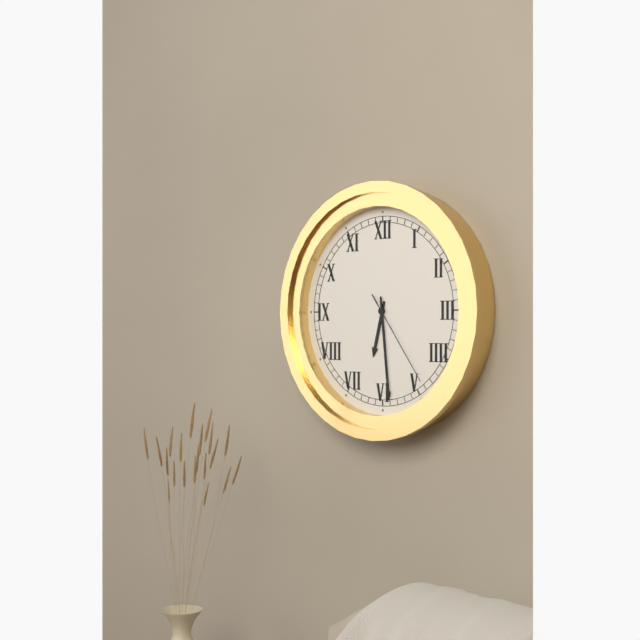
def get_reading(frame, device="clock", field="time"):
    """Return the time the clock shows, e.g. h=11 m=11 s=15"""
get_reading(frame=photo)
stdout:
h=6 m=29 s=24
